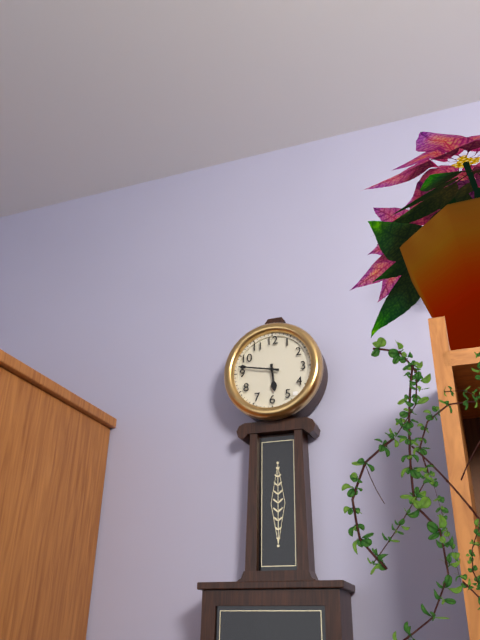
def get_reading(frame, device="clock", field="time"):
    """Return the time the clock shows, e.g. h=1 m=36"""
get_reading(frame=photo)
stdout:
h=5 m=47
